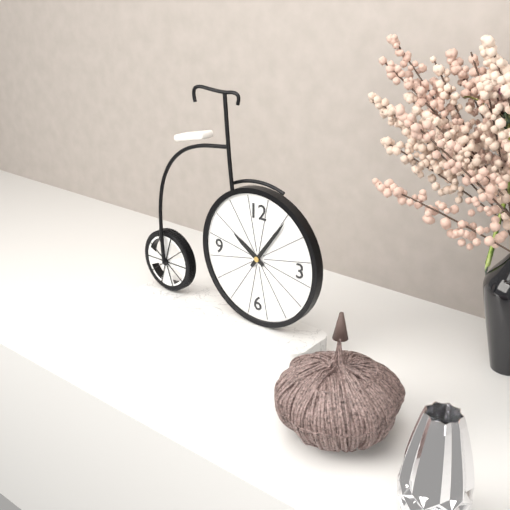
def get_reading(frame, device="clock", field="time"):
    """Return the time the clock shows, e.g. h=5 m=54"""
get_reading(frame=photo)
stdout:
h=10 m=6
